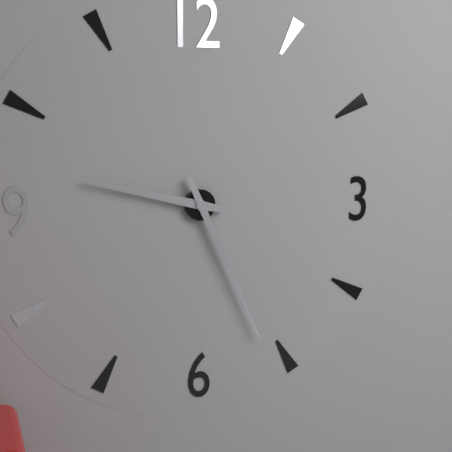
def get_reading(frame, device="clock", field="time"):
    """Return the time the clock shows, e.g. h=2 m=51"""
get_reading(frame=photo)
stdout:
h=9 m=26
